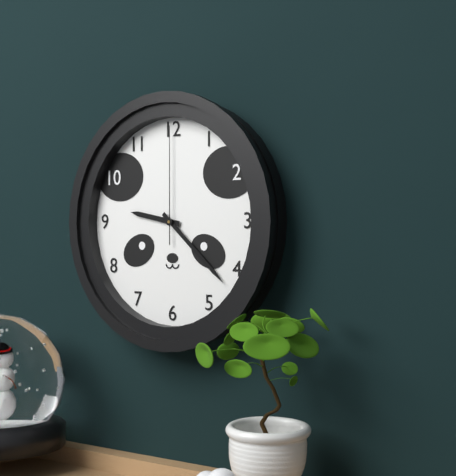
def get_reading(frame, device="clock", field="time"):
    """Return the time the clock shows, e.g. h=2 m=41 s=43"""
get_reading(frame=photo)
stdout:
h=9 m=22 s=0
